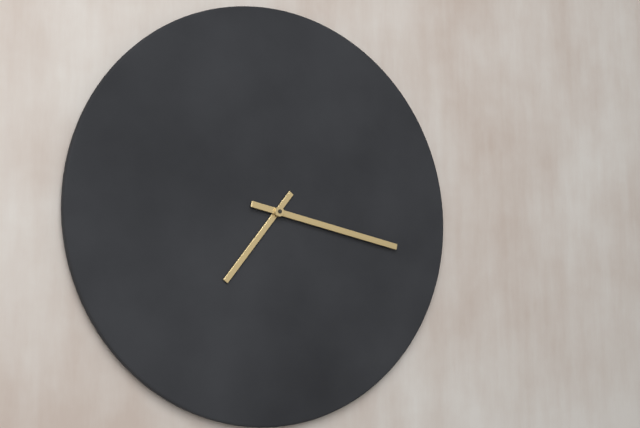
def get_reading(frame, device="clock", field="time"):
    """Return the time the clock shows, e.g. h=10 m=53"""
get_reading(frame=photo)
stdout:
h=7 m=17
